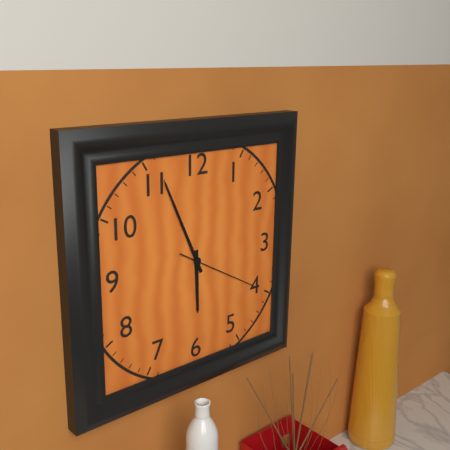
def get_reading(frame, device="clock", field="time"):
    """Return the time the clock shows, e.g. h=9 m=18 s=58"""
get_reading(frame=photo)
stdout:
h=5 m=56 s=20
